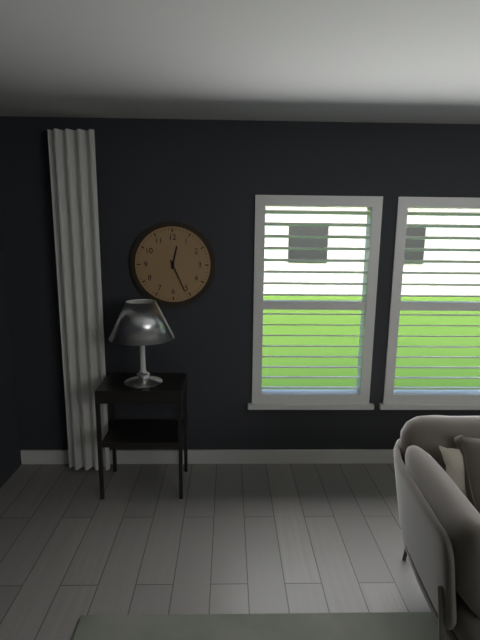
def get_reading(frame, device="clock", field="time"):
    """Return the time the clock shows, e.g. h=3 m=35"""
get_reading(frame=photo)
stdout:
h=12 m=26
